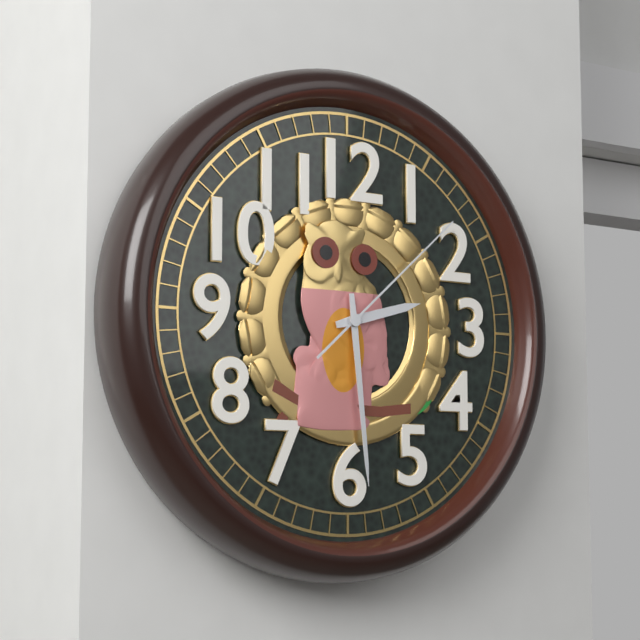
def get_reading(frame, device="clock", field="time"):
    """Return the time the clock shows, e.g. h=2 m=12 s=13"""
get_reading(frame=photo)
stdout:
h=2 m=29 s=8
